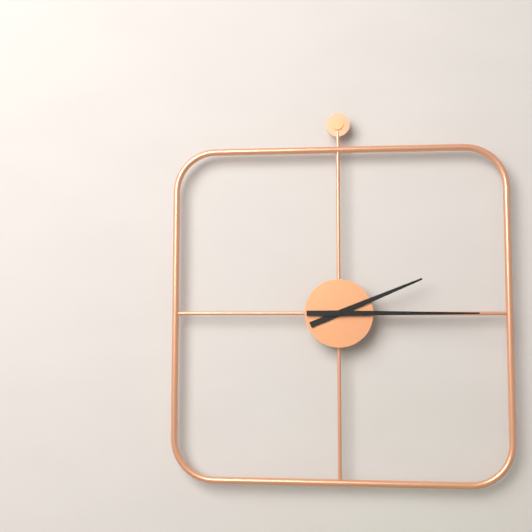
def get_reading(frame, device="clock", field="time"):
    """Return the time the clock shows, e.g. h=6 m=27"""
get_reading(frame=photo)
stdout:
h=2 m=15
